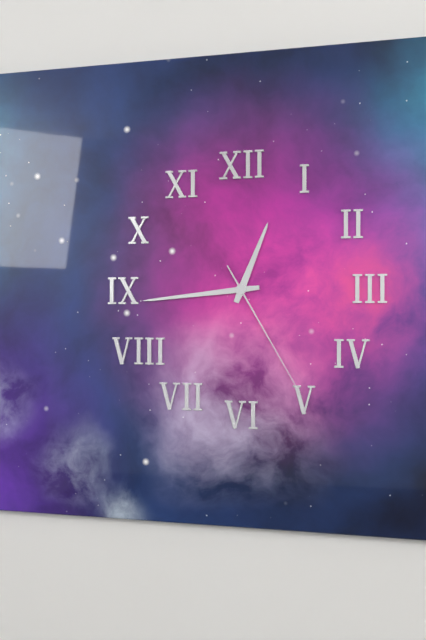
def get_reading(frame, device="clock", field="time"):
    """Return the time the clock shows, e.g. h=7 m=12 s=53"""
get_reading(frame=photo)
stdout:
h=12 m=44 s=25
